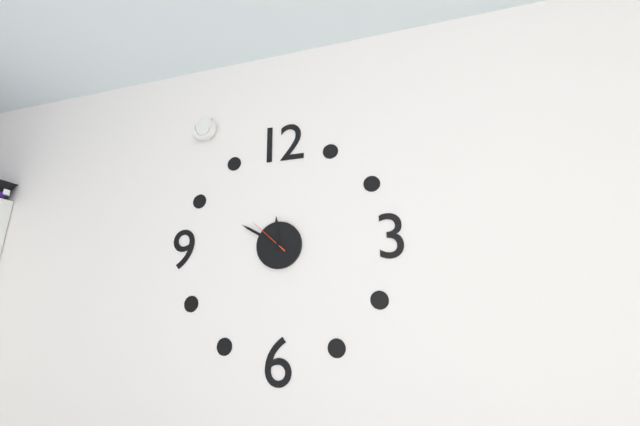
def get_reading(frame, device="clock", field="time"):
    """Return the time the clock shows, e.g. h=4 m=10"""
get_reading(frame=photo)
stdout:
h=11 m=50
